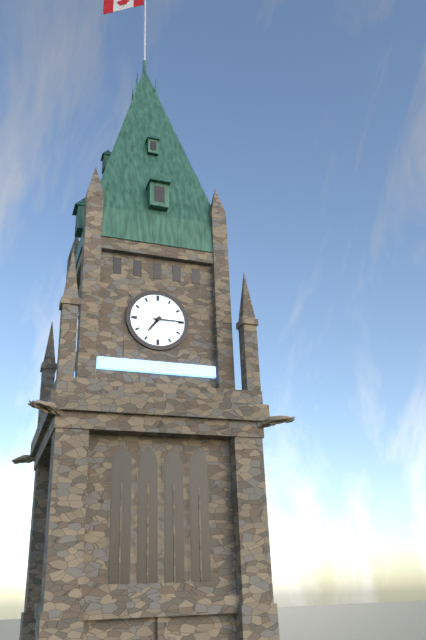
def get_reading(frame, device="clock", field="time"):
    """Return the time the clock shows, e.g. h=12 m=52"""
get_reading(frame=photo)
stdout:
h=7 m=15
